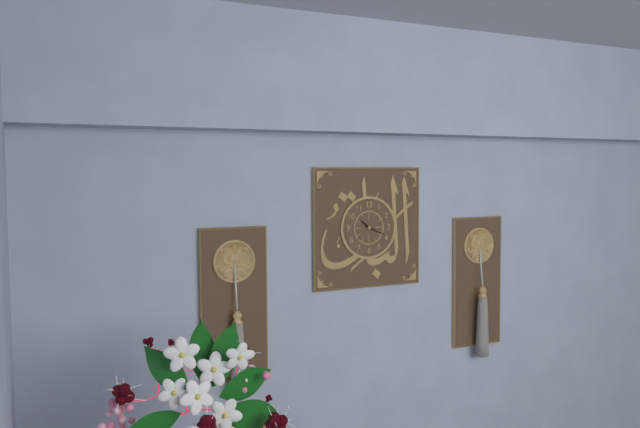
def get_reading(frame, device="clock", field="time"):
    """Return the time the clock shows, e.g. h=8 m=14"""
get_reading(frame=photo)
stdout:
h=10 m=19
